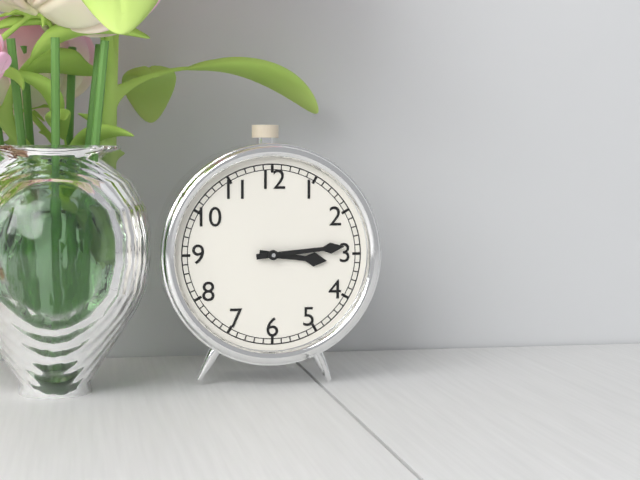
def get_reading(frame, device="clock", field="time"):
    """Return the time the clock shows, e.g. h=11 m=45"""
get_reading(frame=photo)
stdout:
h=3 m=14
